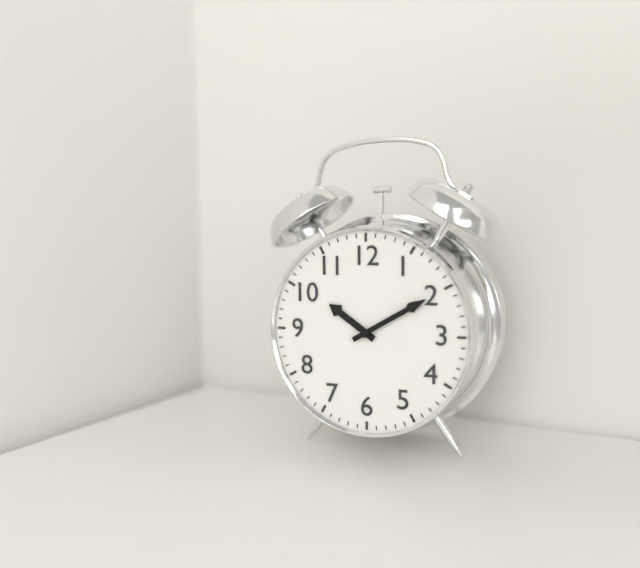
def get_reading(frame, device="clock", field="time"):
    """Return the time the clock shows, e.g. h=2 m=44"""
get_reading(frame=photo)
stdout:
h=10 m=10
